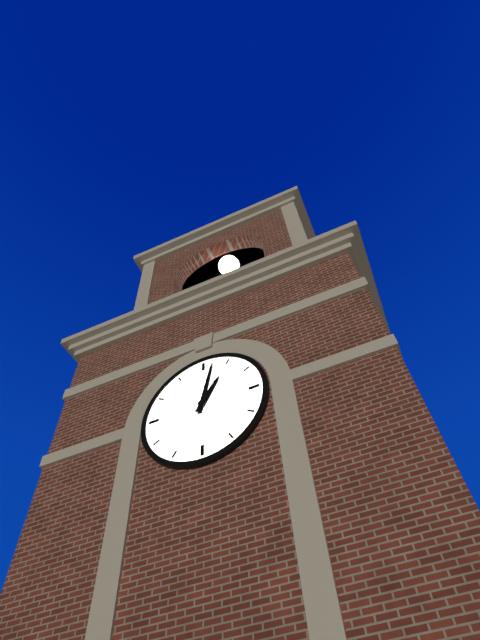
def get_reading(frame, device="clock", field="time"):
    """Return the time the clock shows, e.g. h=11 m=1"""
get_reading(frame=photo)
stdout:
h=1 m=2
